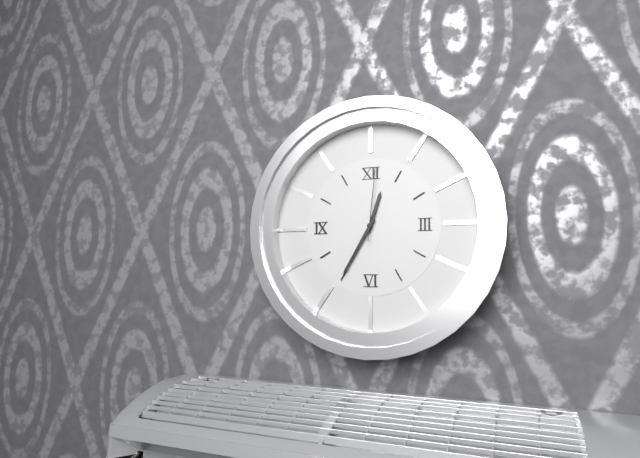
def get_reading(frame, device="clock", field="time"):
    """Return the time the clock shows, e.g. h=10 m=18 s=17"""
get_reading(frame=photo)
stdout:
h=12 m=35 s=1
